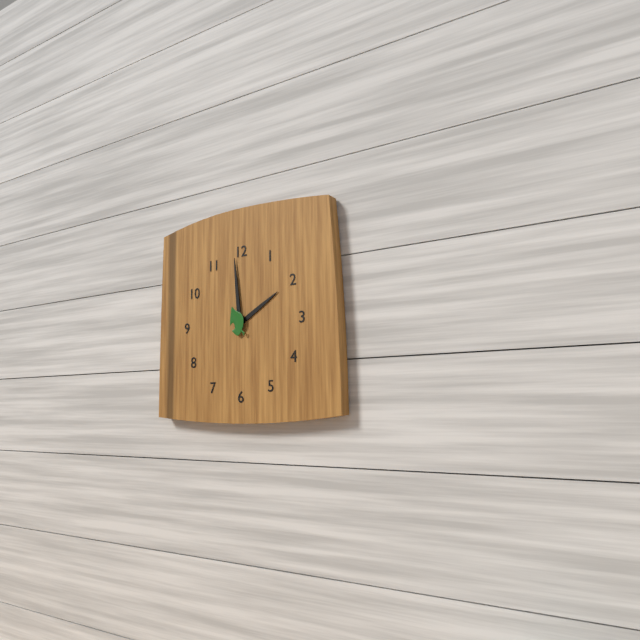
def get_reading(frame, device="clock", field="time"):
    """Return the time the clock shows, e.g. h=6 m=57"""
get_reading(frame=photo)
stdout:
h=1 m=59
